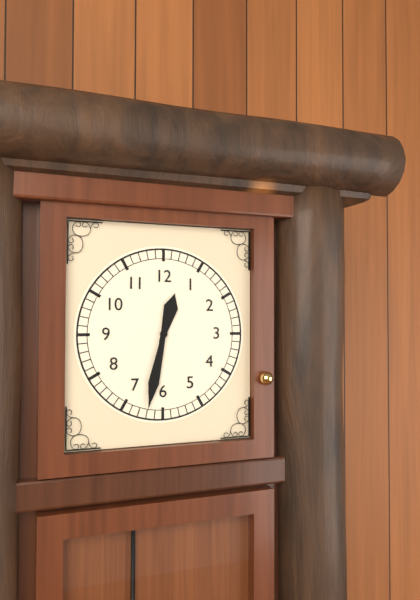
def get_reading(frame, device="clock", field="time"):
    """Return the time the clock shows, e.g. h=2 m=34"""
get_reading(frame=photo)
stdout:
h=12 m=32
